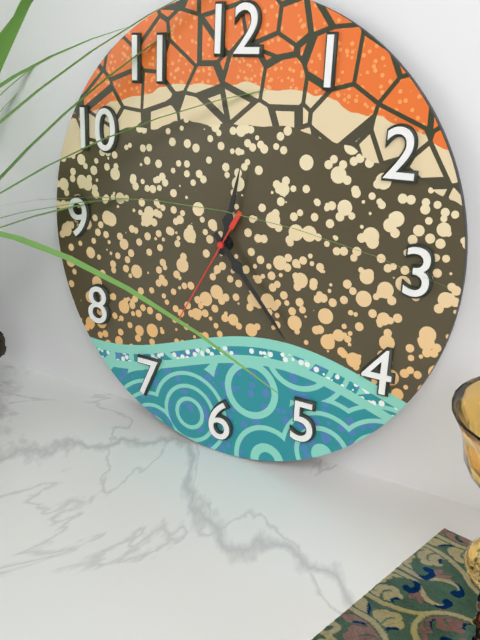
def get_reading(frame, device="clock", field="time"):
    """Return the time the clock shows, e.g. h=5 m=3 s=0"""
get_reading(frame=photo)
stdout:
h=12 m=23 s=35
